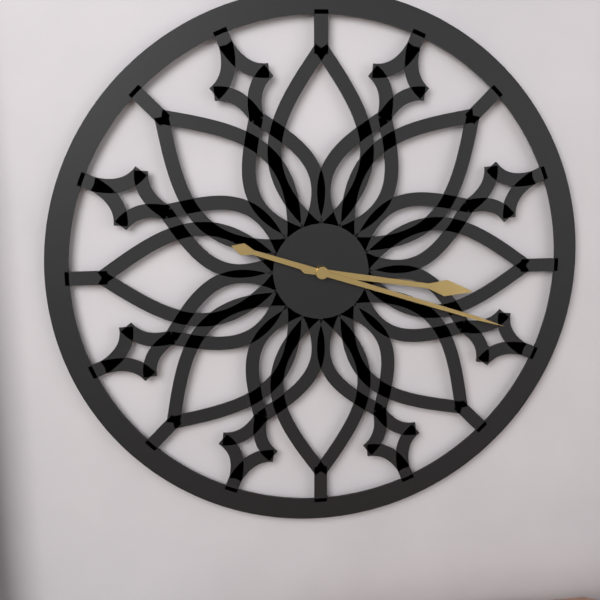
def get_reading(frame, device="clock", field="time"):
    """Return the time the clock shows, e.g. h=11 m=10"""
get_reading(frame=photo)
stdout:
h=3 m=18
